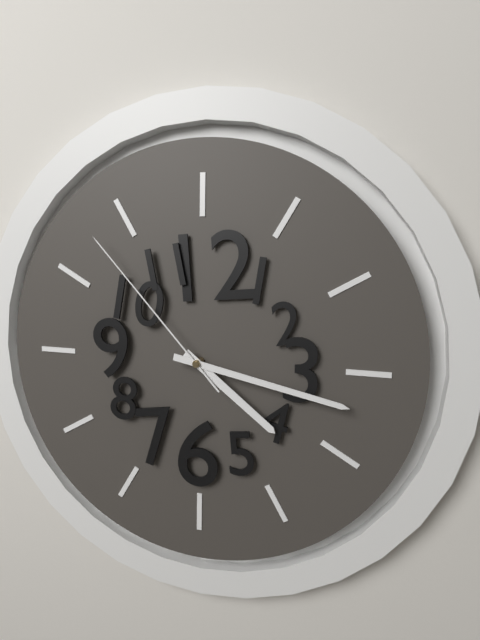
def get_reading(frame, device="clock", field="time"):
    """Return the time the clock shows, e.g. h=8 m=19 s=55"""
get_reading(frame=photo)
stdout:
h=4 m=17 s=53
